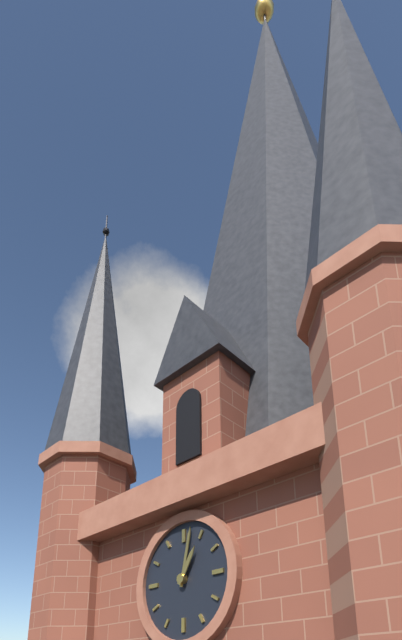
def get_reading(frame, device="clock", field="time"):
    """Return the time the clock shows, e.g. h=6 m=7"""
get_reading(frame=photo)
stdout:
h=1 m=2
